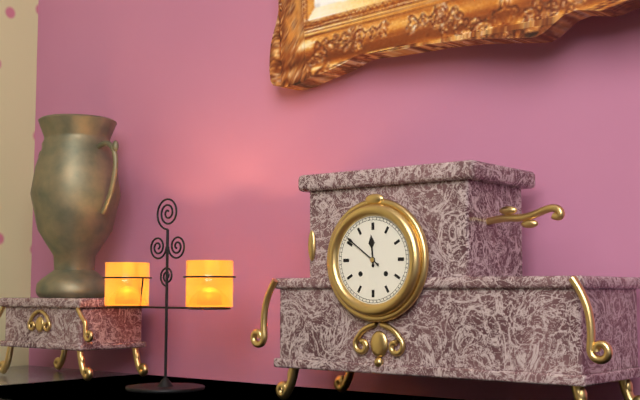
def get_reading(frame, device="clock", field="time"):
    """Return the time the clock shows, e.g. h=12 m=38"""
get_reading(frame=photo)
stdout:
h=11 m=51
